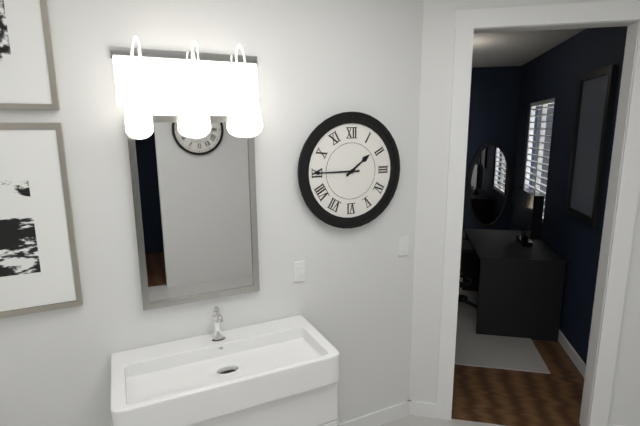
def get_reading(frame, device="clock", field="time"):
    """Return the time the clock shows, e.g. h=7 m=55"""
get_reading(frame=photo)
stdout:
h=1 m=45
